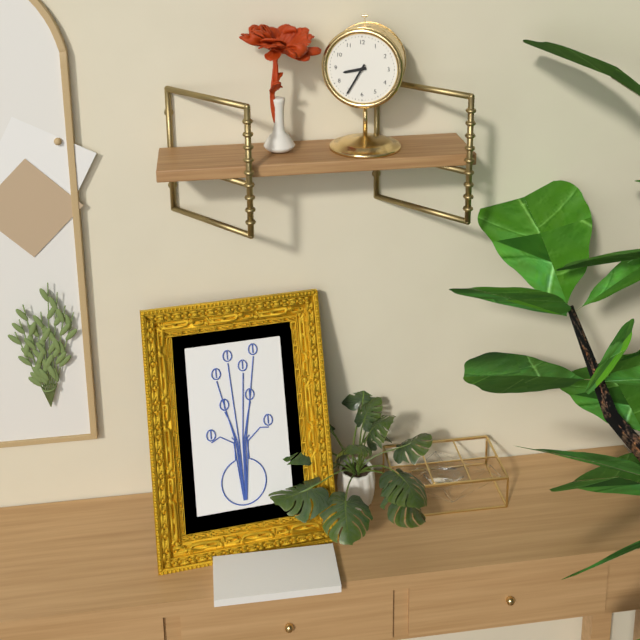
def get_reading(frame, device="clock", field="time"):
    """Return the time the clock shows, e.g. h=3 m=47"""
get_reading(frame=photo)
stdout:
h=8 m=35
